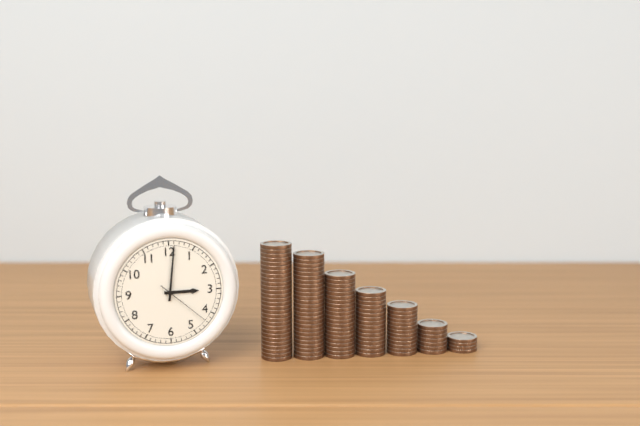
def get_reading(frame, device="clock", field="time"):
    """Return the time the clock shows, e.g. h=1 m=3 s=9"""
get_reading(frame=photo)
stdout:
h=3 m=1 s=22
